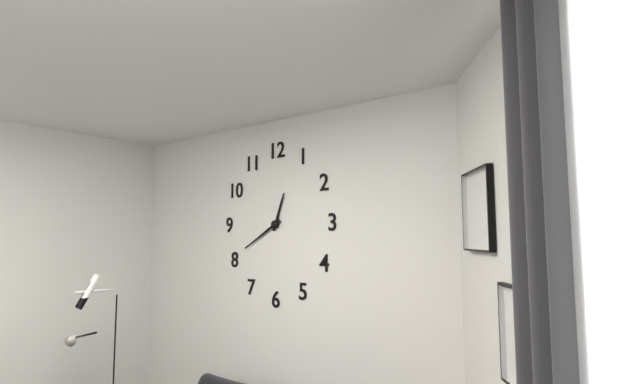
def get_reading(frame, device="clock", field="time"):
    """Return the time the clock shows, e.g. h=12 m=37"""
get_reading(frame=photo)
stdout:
h=12 m=40
